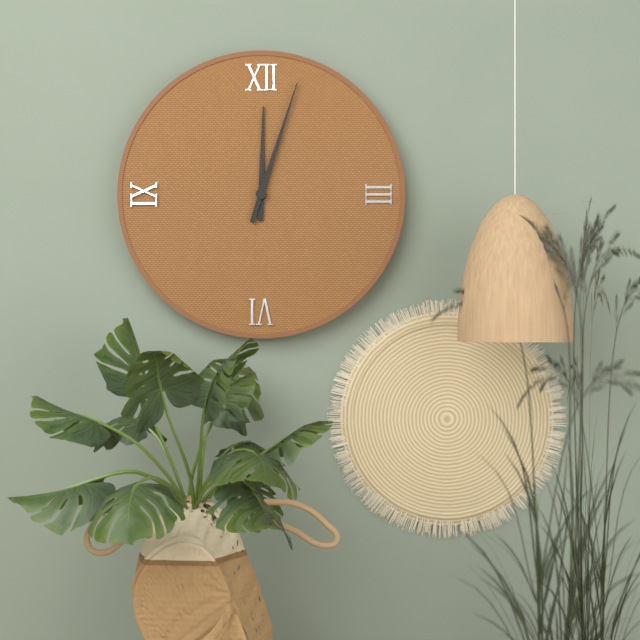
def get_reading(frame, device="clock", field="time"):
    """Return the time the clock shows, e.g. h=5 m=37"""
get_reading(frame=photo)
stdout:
h=12 m=3
